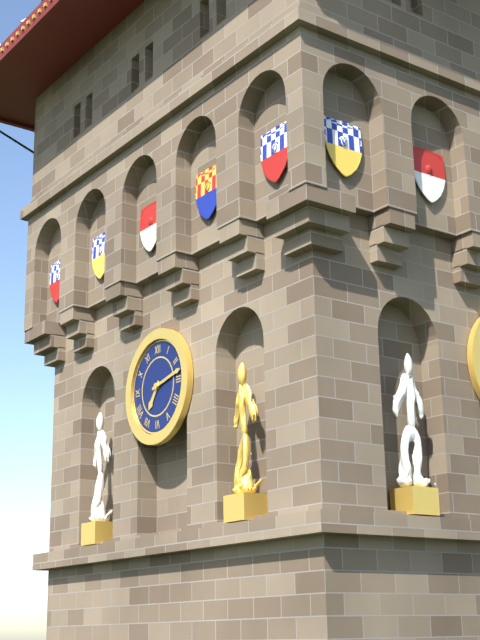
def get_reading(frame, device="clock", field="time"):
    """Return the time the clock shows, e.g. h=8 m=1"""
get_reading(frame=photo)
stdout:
h=7 m=13
